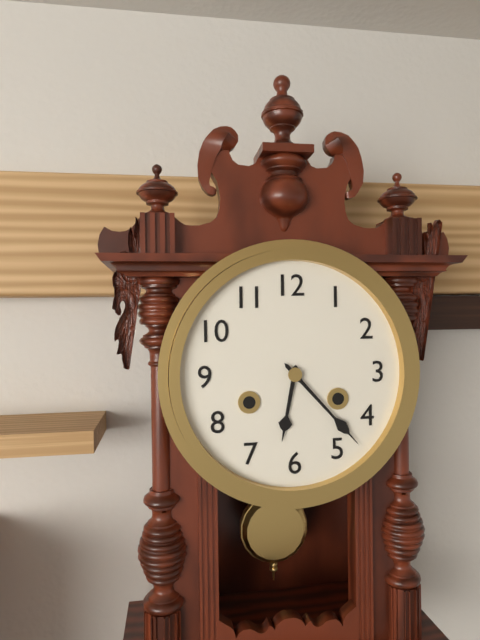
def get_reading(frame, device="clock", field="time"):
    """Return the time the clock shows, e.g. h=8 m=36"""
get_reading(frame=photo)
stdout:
h=6 m=23
